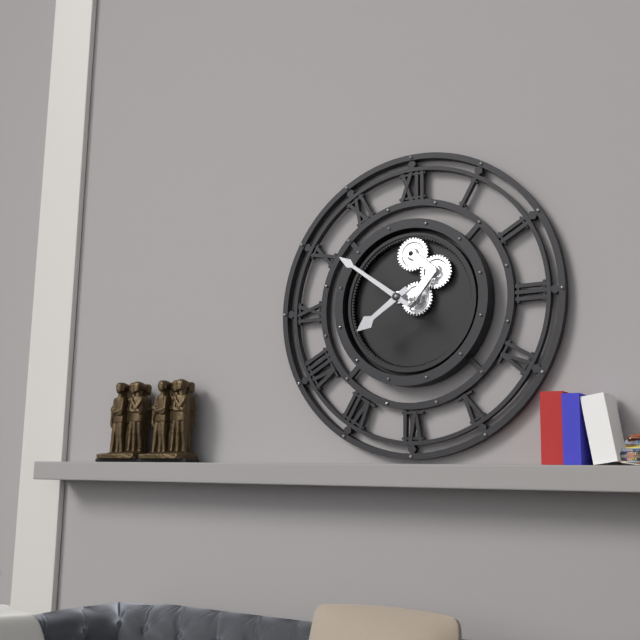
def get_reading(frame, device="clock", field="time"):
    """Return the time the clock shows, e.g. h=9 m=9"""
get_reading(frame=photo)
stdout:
h=7 m=51
